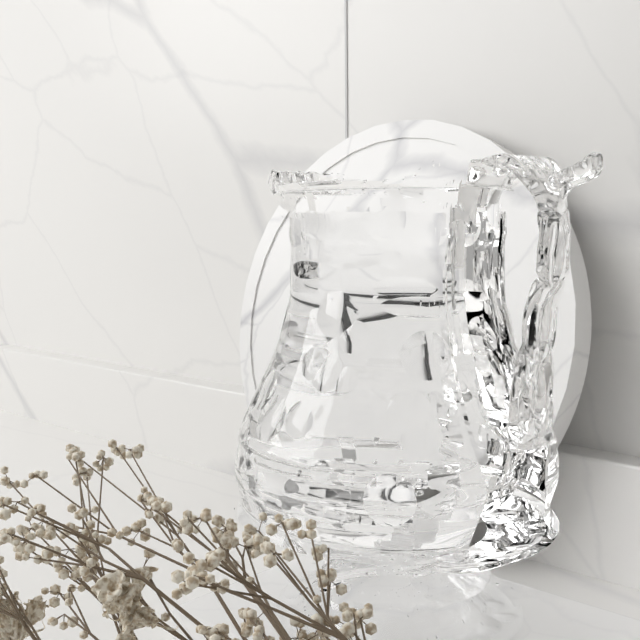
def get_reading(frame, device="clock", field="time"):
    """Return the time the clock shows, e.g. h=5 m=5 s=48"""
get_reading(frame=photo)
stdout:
h=2 m=24 s=41
